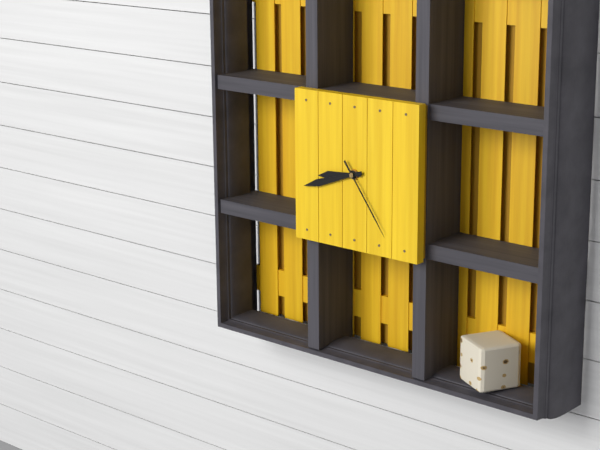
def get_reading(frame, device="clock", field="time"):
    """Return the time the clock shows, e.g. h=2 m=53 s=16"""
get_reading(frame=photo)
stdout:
h=8 m=42 s=24
